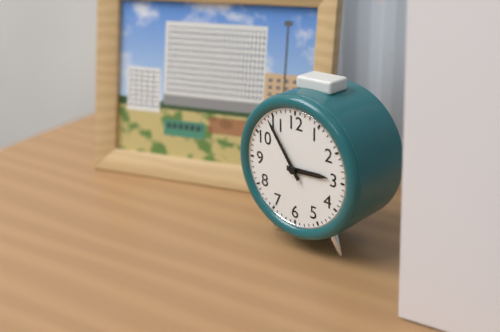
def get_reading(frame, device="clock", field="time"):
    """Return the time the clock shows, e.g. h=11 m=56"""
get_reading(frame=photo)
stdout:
h=2 m=54
